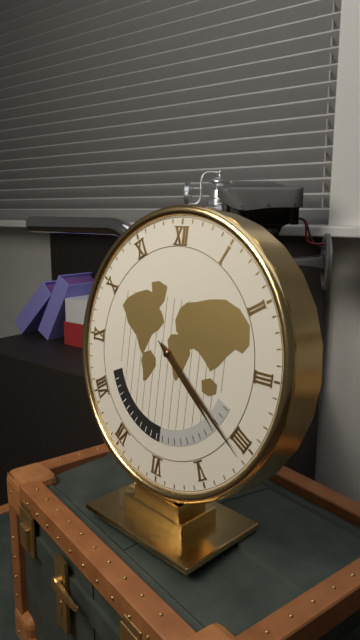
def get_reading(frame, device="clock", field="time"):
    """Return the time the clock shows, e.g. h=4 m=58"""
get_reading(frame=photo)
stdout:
h=4 m=21
